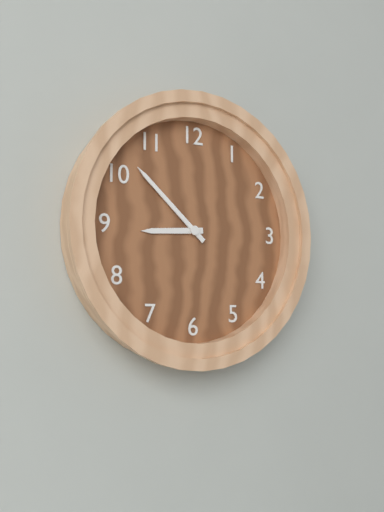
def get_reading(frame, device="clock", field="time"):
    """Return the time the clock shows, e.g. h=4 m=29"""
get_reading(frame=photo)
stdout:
h=8 m=52
